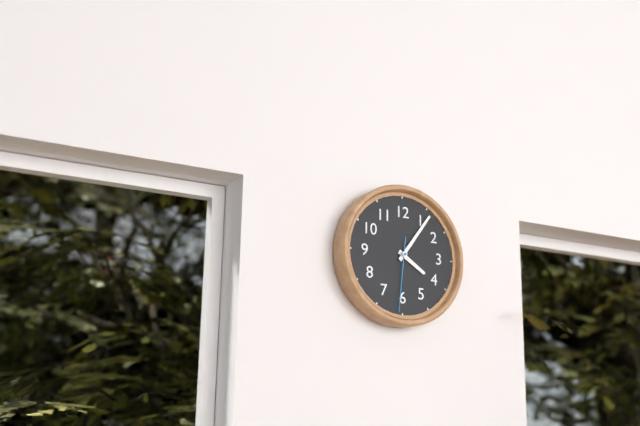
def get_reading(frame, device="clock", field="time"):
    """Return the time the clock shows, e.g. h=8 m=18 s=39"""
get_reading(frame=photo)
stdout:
h=4 m=6 s=31
